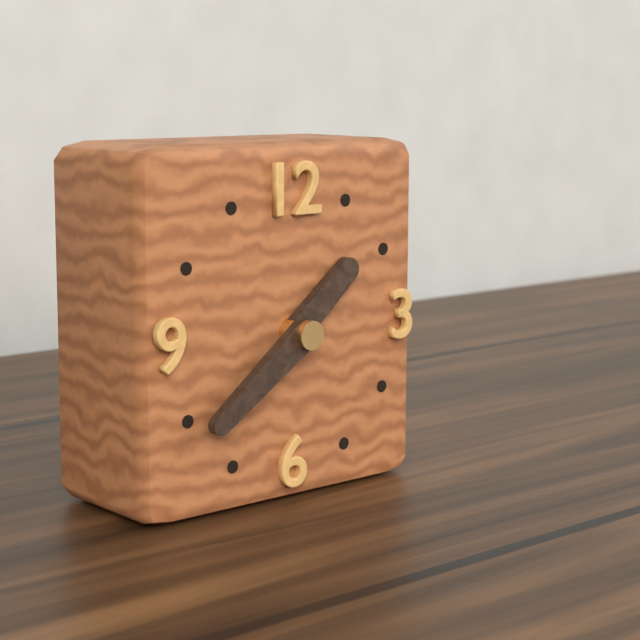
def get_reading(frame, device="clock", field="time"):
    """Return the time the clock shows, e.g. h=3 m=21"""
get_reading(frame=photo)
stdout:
h=1 m=39
